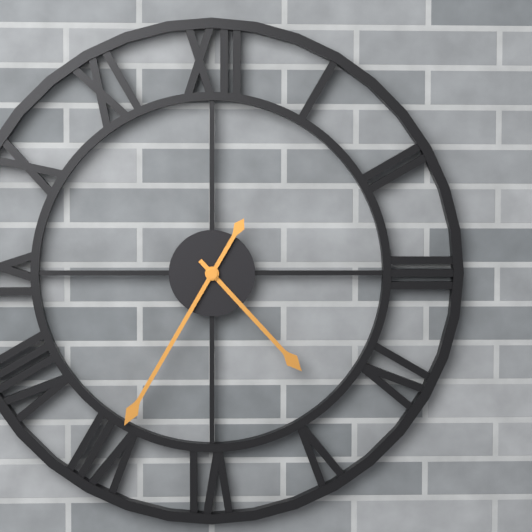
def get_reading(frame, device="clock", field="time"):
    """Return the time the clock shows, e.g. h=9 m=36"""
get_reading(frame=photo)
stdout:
h=4 m=35
